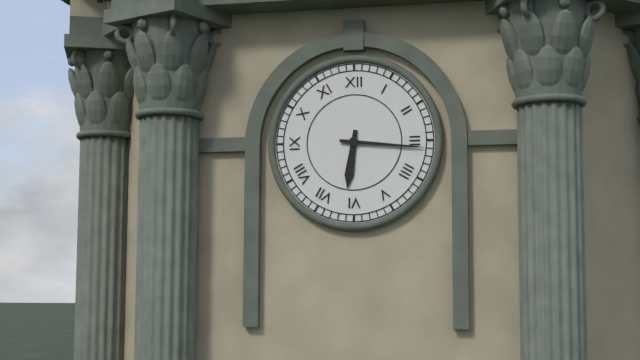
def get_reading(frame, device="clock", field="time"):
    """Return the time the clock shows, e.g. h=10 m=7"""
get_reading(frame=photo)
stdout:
h=6 m=16
